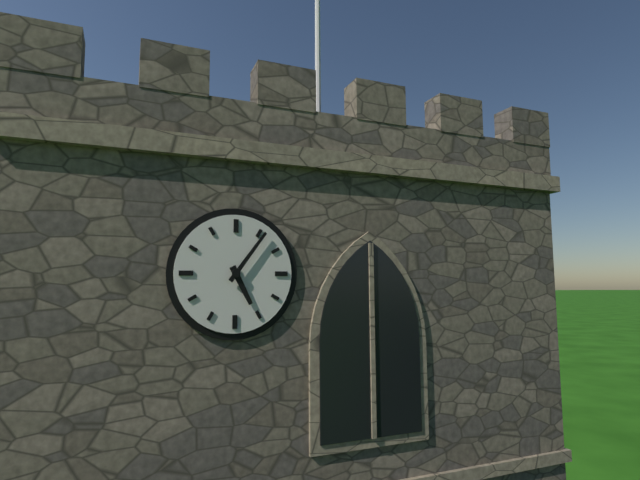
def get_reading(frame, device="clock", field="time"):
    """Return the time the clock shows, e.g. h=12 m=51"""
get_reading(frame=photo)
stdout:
h=5 m=6
